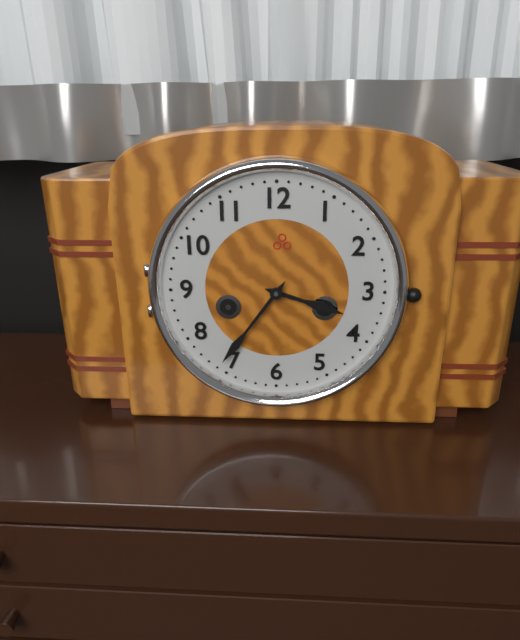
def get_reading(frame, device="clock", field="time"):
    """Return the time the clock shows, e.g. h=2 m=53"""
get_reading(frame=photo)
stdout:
h=3 m=36
